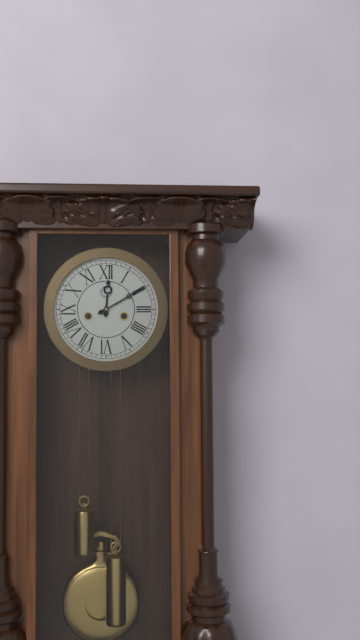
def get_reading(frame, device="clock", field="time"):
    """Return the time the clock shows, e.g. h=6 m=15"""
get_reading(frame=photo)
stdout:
h=12 m=10
